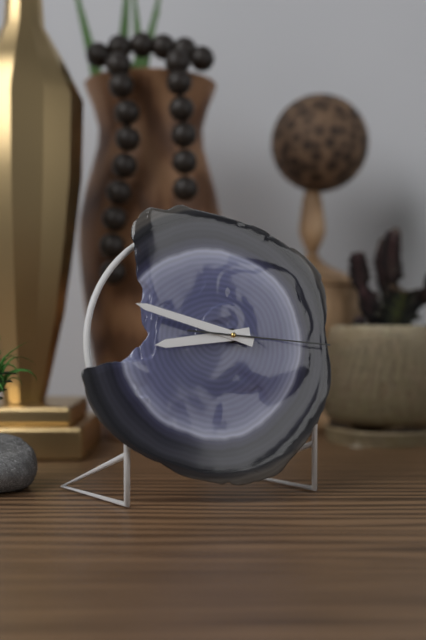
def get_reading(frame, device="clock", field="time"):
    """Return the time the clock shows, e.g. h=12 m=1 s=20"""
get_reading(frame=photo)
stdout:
h=8 m=48 s=16
